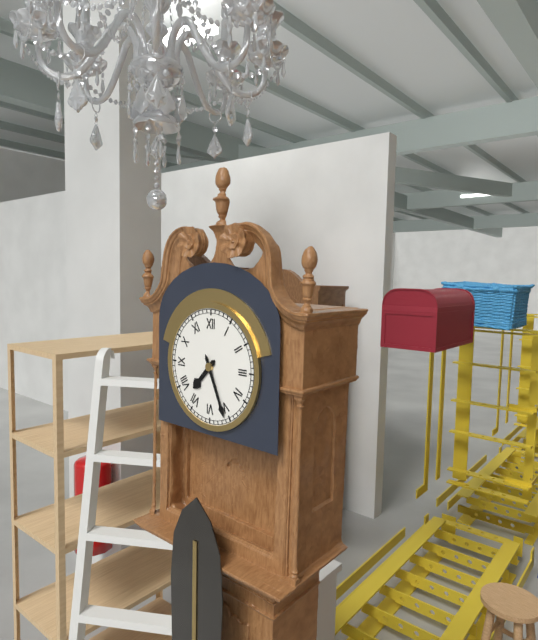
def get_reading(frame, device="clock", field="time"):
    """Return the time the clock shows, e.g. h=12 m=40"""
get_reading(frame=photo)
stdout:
h=7 m=26
